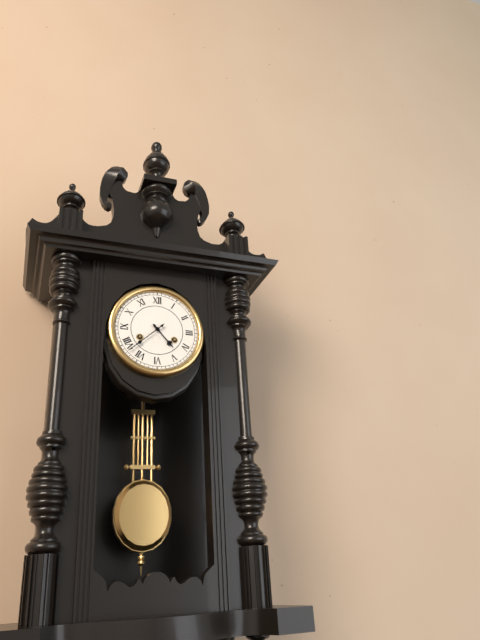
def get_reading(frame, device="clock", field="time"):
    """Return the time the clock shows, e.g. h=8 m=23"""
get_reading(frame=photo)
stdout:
h=4 m=38
